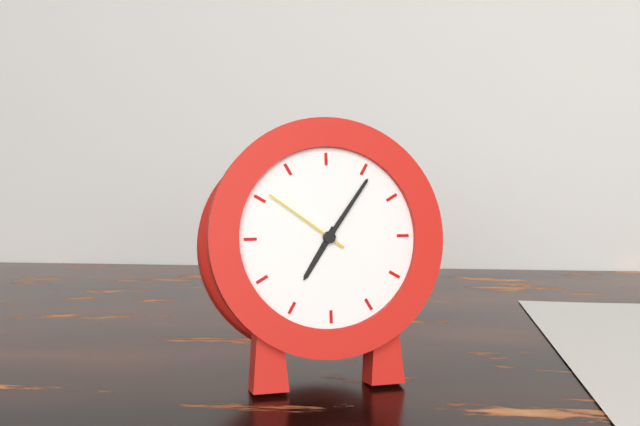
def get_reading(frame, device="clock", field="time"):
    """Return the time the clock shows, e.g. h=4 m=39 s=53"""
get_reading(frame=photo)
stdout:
h=7 m=6 s=51
